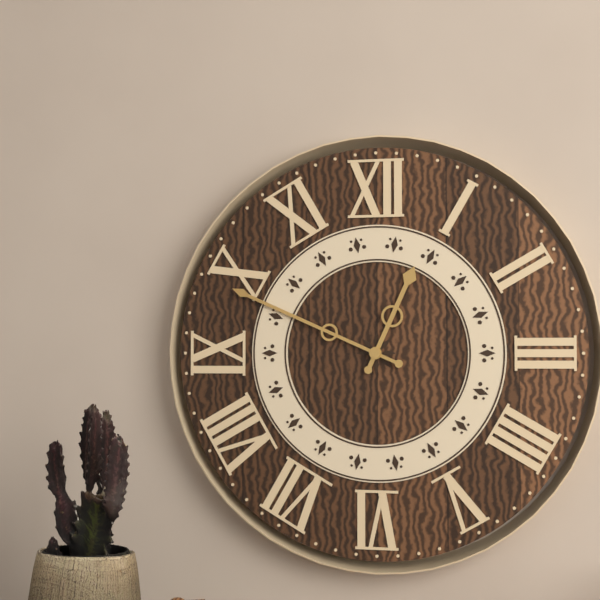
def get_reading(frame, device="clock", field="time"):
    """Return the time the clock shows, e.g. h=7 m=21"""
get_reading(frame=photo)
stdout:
h=12 m=49
